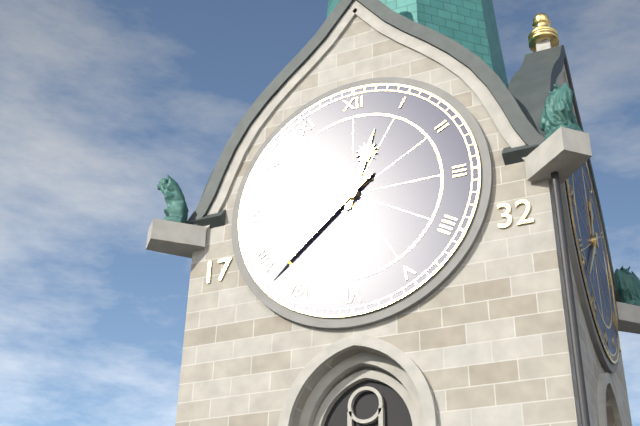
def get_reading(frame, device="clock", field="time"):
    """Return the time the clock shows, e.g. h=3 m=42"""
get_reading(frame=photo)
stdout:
h=12 m=38
